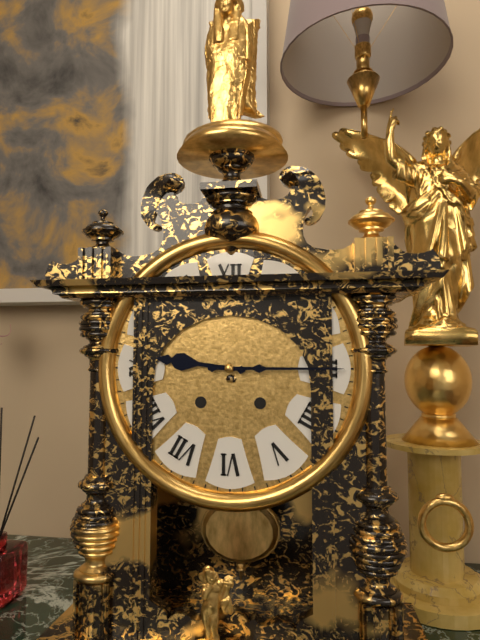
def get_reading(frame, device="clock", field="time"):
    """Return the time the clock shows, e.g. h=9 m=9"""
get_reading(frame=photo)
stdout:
h=9 m=15
